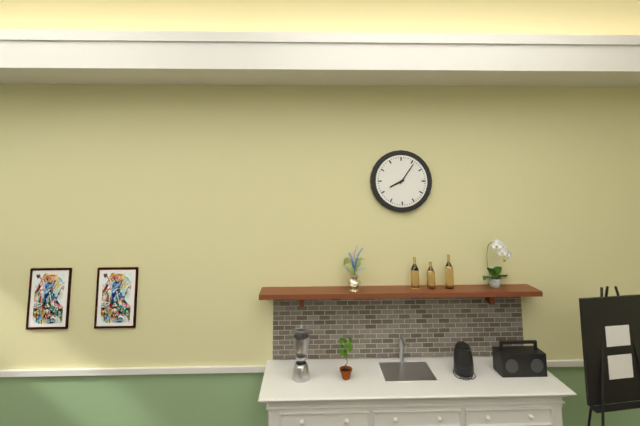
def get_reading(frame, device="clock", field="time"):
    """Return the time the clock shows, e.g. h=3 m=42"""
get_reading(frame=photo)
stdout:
h=8 m=6
